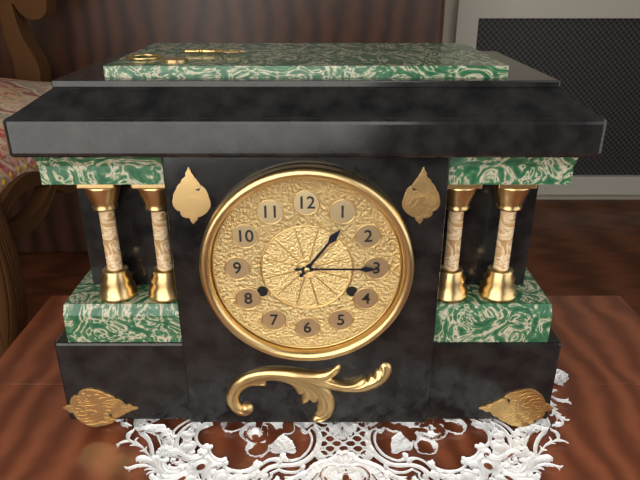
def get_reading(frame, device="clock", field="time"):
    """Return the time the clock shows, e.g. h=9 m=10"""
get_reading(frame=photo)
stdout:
h=1 m=15
